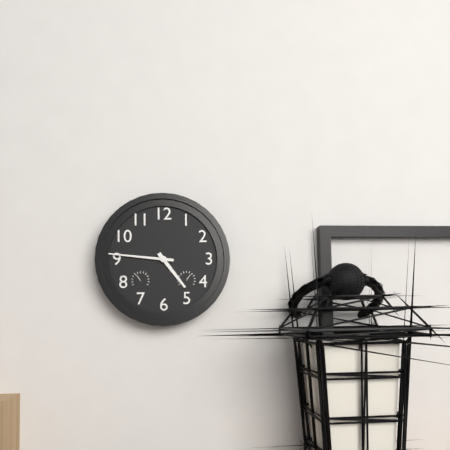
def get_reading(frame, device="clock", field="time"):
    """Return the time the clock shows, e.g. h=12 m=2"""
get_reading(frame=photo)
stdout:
h=4 m=46
